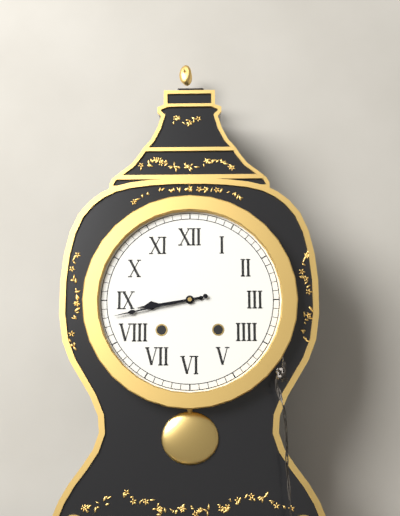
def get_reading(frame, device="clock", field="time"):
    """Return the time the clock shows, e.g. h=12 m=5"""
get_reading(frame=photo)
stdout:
h=8 m=43
